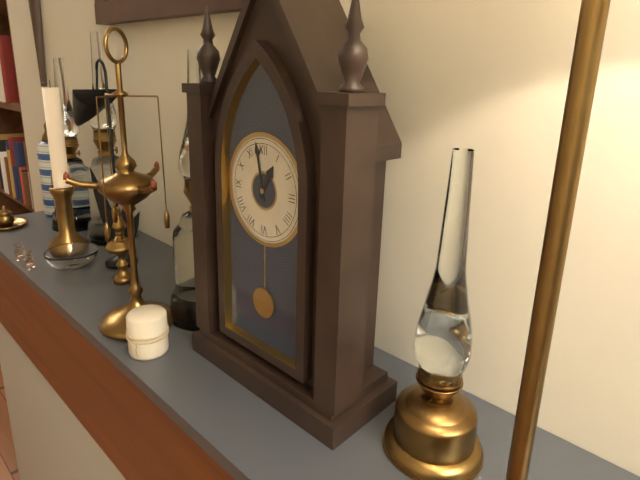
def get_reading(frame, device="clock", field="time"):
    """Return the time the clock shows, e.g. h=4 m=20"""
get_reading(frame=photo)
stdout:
h=12 m=58
